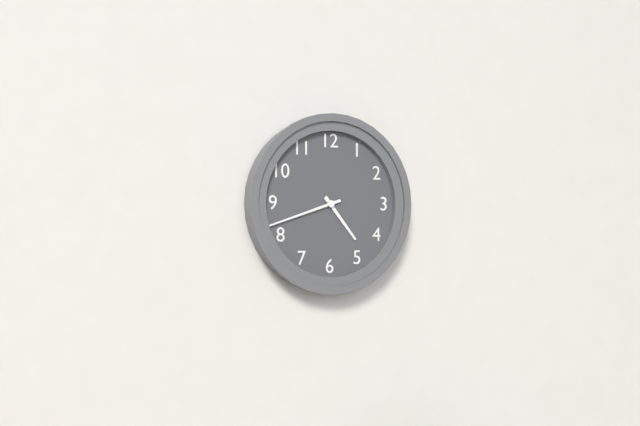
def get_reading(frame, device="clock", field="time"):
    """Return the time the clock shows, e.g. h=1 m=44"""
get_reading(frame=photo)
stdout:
h=4 m=42
